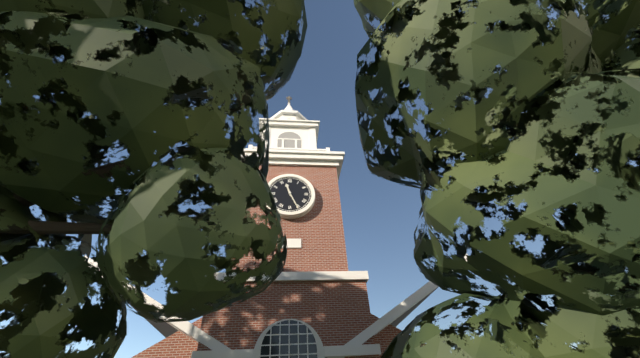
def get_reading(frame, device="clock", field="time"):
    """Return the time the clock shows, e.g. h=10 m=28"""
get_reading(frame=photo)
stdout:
h=11 m=26
